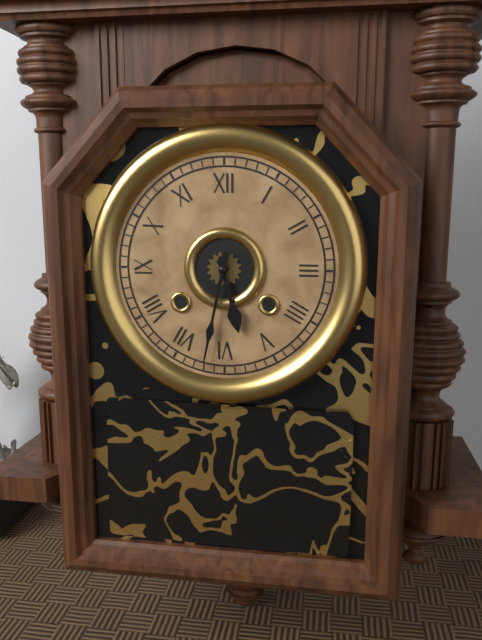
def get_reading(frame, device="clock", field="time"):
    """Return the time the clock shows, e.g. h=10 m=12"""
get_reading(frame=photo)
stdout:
h=5 m=32
